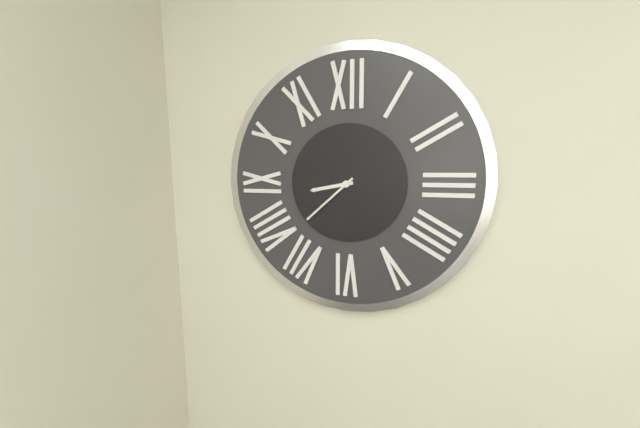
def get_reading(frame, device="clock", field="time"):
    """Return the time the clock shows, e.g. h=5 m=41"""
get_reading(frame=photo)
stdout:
h=8 m=38
